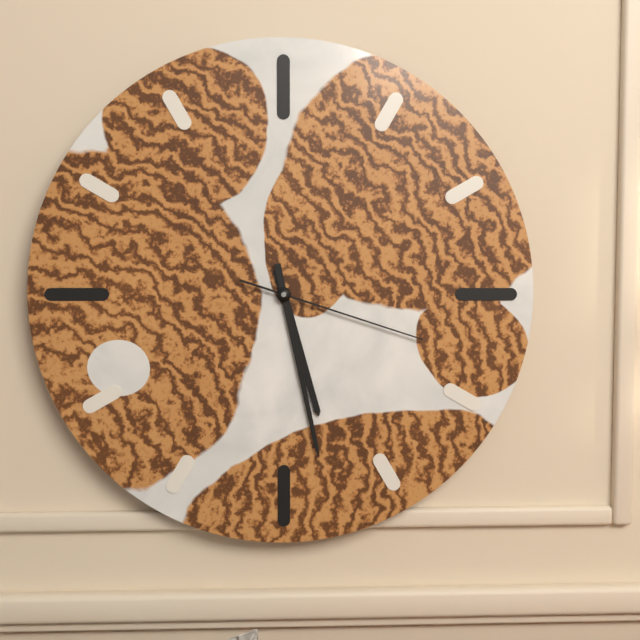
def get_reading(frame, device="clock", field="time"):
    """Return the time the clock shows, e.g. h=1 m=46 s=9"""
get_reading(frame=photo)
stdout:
h=5 m=28 s=18
